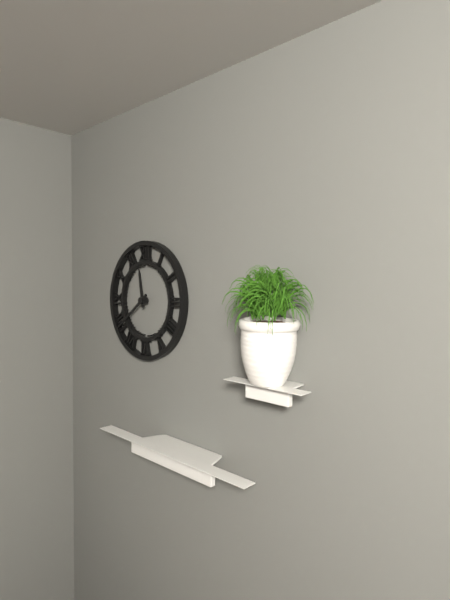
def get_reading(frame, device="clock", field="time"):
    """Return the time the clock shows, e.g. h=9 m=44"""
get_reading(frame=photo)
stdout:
h=11 m=39
